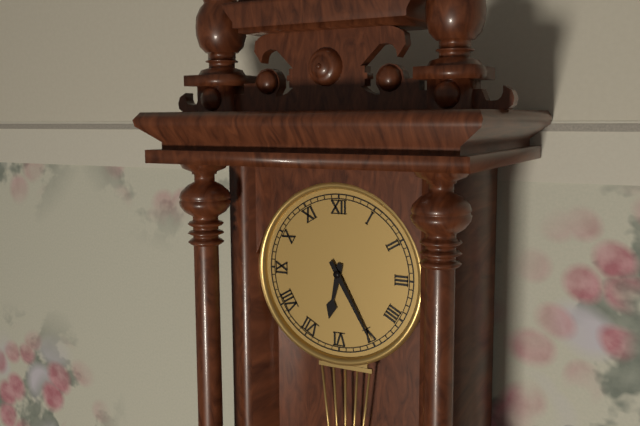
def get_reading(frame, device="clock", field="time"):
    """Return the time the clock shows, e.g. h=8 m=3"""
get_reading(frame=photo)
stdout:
h=6 m=25
